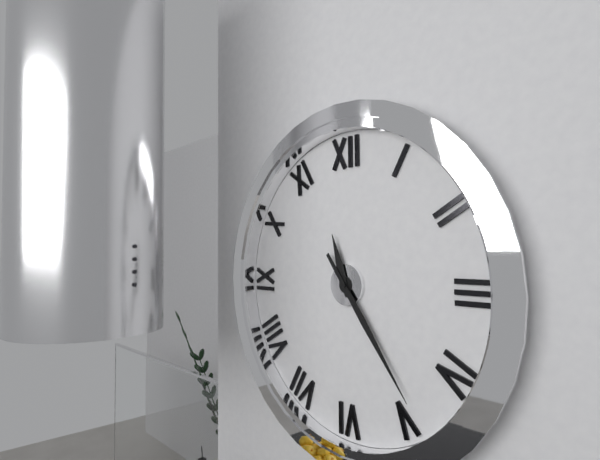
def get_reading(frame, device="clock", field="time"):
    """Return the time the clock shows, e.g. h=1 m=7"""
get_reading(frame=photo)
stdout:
h=11 m=24
